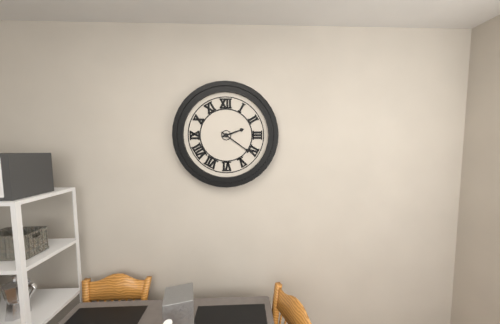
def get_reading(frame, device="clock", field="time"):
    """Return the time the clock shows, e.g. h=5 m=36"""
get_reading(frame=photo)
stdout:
h=2 m=21
